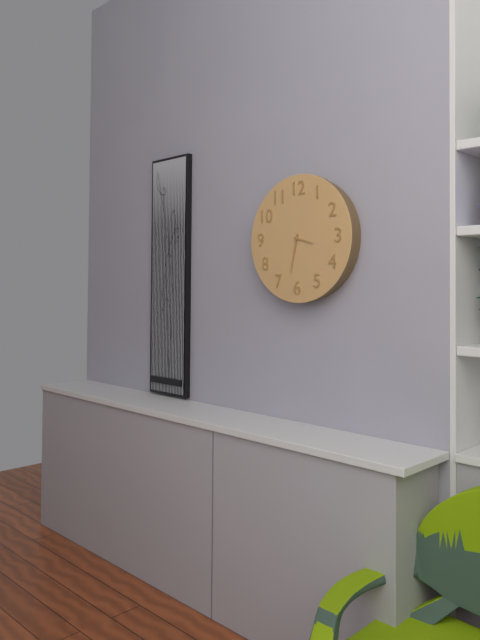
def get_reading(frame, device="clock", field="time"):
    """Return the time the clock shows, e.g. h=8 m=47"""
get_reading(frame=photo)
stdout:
h=3 m=32
